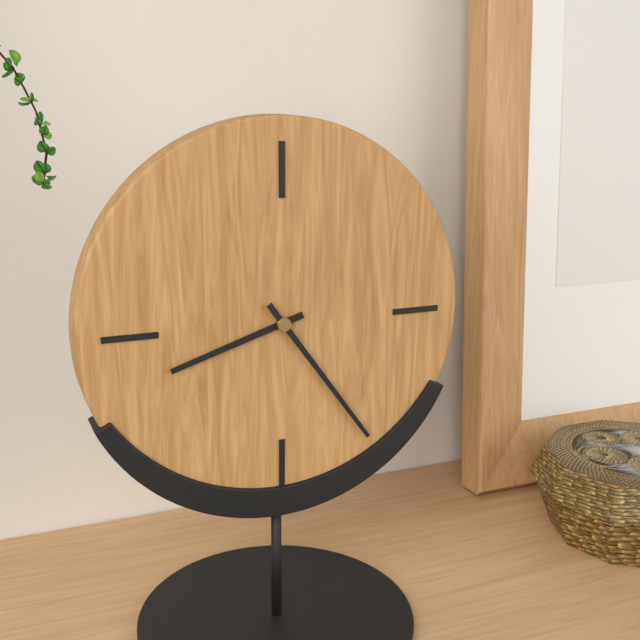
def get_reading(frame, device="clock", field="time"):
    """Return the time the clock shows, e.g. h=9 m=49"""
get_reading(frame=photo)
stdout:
h=8 m=24
